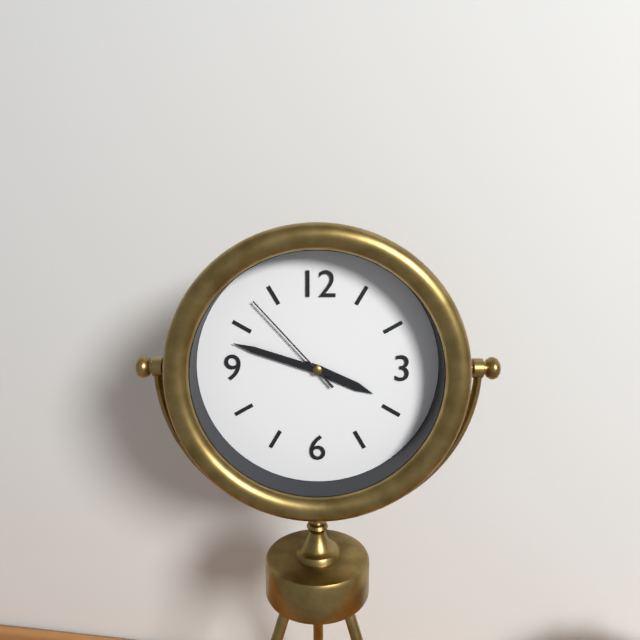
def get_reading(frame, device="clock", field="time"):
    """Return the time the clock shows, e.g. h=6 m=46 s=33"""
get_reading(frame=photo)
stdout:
h=3 m=48 s=53
